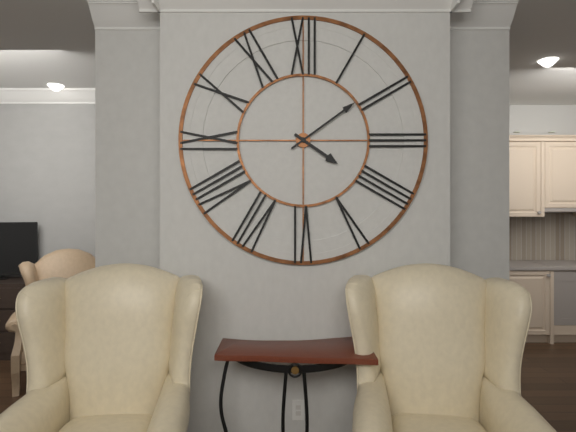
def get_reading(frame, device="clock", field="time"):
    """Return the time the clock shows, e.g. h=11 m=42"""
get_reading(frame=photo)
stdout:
h=4 m=9
